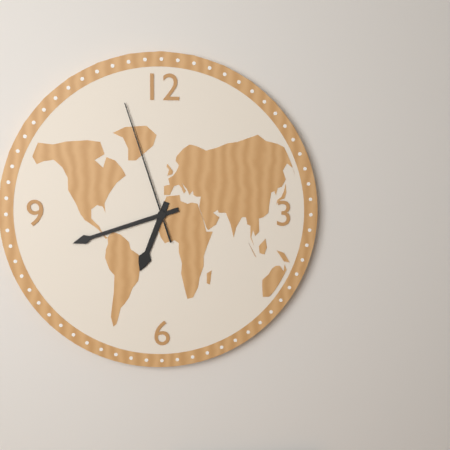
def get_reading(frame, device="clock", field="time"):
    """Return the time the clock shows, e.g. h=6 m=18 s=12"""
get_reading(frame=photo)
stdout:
h=6 m=42 s=57
